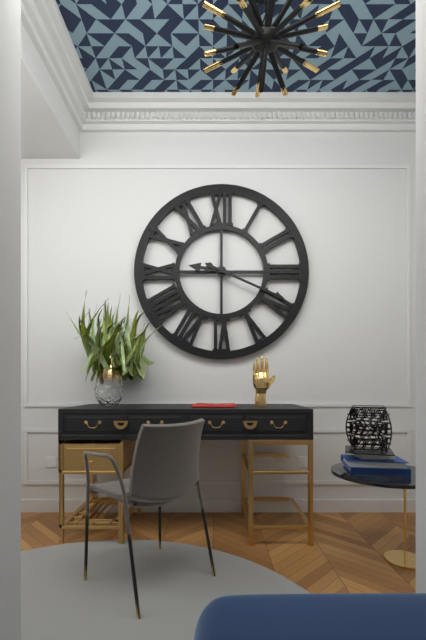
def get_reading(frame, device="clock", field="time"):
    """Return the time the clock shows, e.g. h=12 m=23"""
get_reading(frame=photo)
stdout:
h=9 m=19
